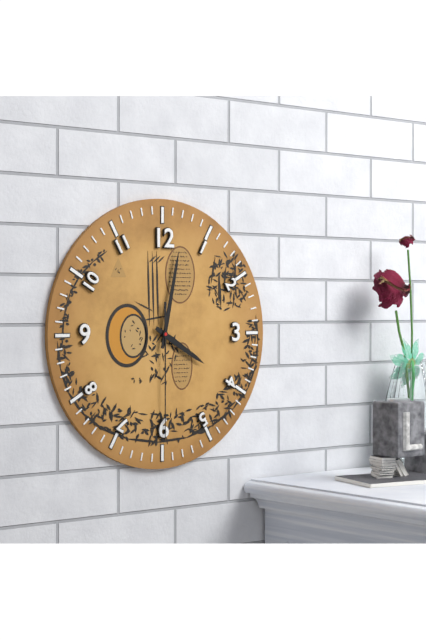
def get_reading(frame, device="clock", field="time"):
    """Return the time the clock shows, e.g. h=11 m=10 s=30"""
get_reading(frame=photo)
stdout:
h=4 m=2 s=30
